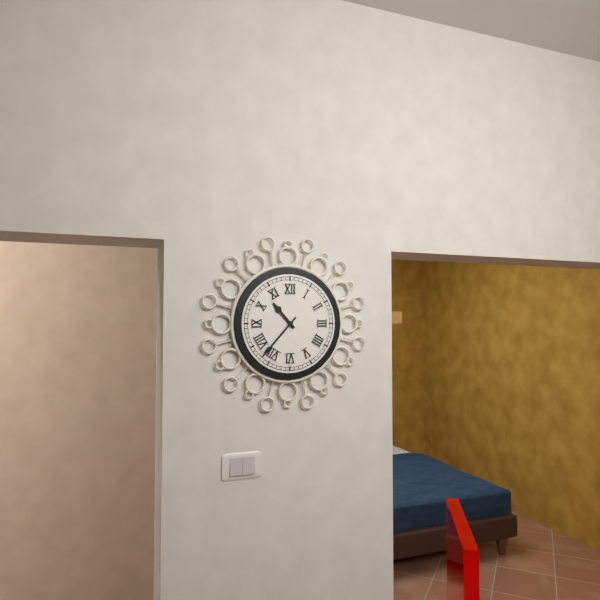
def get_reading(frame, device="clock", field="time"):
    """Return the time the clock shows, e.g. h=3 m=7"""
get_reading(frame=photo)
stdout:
h=10 m=37
